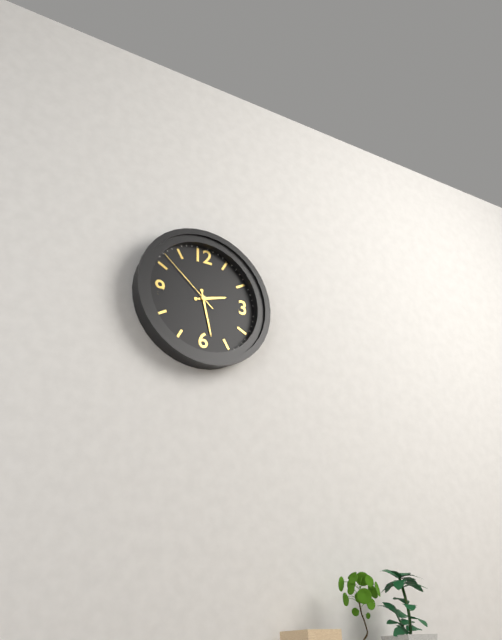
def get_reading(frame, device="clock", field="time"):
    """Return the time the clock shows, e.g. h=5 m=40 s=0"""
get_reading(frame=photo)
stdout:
h=2 m=28 s=52
